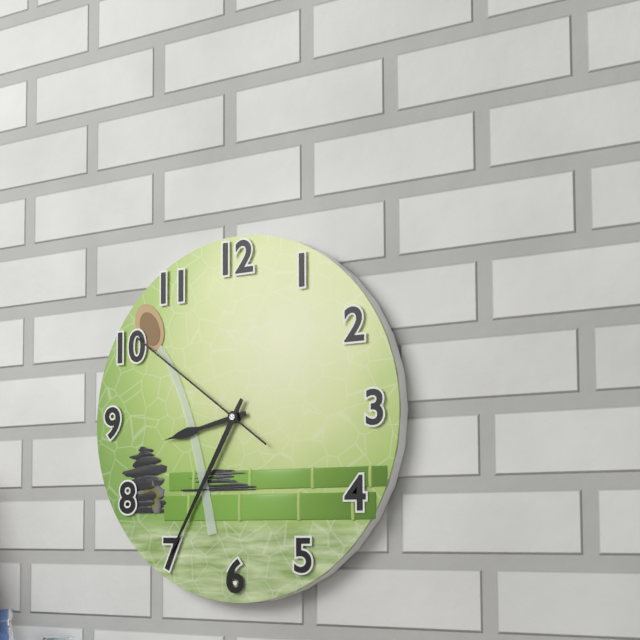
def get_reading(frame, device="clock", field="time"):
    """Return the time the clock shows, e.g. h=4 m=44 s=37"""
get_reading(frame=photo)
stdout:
h=8 m=35 s=51
